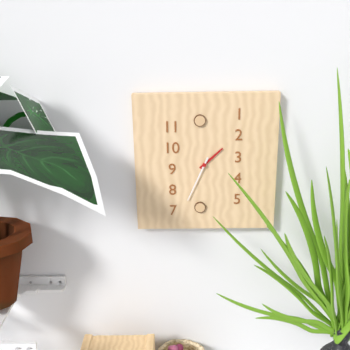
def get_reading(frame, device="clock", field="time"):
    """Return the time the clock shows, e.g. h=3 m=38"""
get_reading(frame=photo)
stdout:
h=1 m=34
